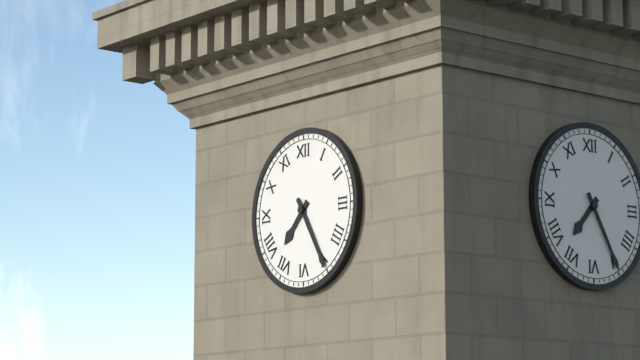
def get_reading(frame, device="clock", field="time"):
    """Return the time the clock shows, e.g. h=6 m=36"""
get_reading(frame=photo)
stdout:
h=7 m=25
